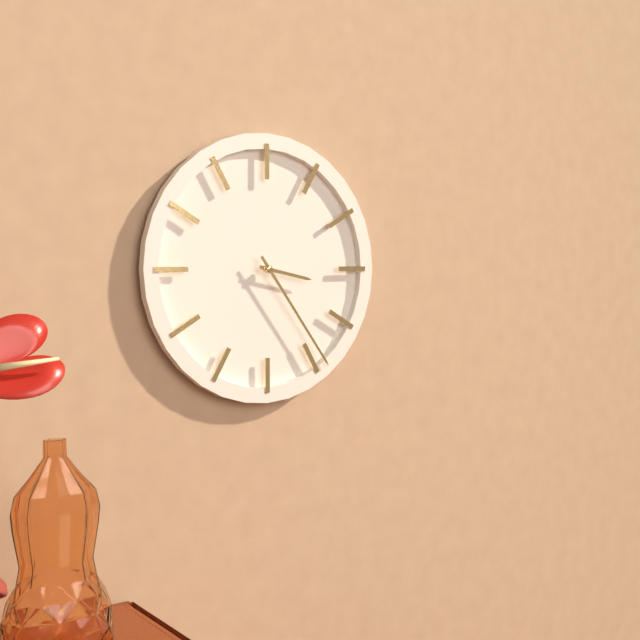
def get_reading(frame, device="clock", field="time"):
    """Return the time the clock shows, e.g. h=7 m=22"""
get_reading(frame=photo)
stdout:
h=3 m=24
